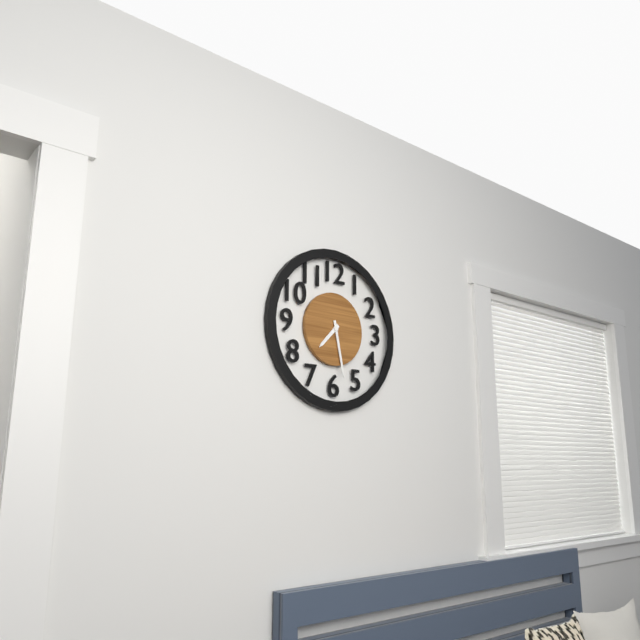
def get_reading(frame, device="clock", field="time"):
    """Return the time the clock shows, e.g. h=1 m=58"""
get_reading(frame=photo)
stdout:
h=7 m=28
